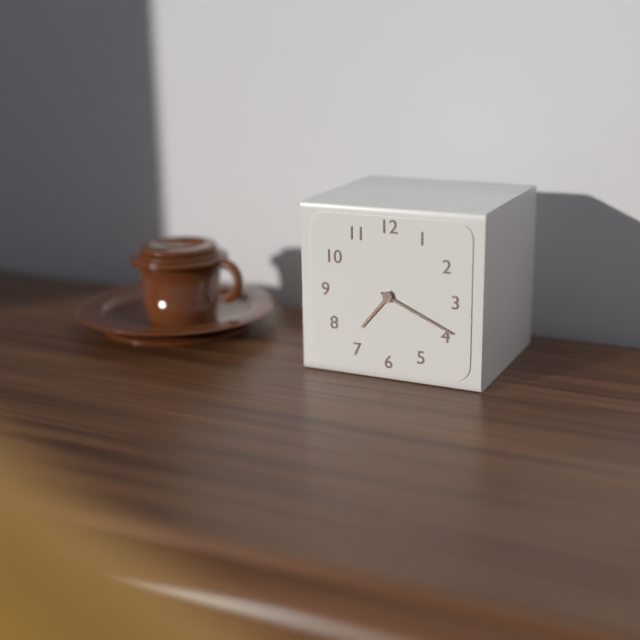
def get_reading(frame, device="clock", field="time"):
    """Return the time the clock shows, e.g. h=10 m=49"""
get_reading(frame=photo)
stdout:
h=7 m=19
